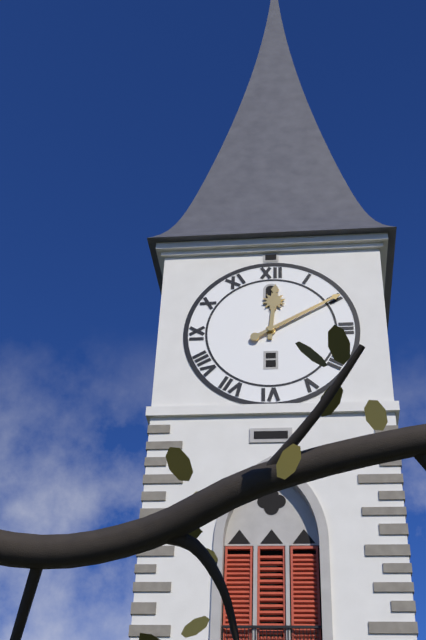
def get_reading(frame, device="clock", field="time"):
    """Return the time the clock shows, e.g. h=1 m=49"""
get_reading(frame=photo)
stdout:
h=12 m=10
